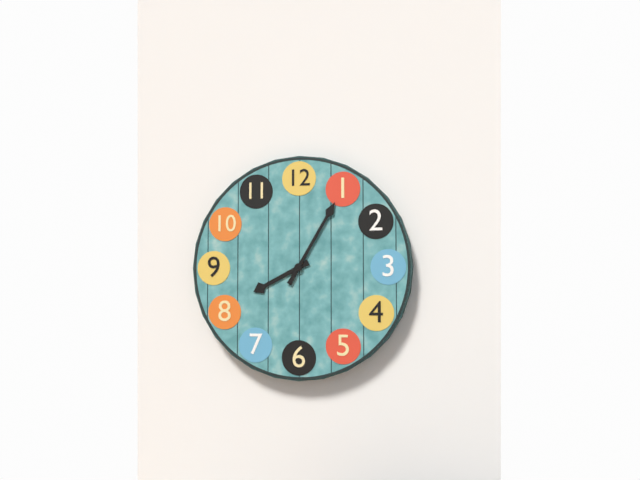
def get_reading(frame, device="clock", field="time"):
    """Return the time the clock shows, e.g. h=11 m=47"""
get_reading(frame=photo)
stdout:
h=8 m=5
